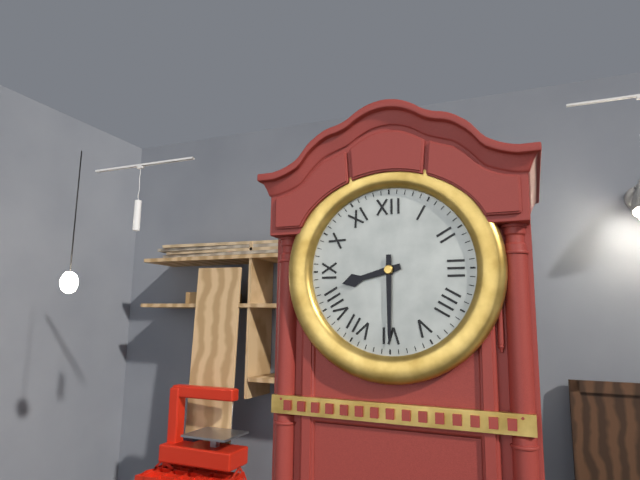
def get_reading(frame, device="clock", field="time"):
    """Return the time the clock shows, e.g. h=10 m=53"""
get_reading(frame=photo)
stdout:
h=8 m=30
